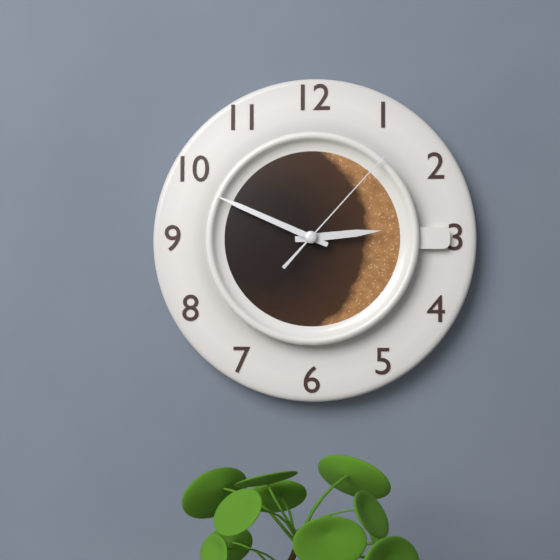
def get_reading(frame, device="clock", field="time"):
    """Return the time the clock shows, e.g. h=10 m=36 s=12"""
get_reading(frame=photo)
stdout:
h=2 m=49 s=7
